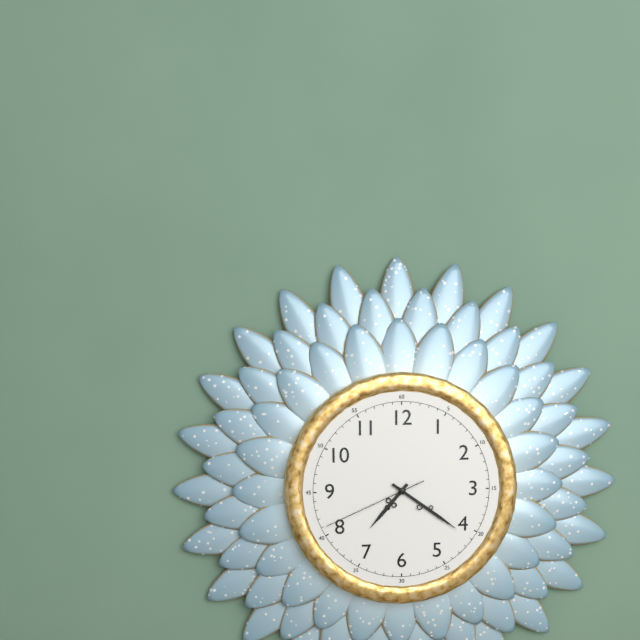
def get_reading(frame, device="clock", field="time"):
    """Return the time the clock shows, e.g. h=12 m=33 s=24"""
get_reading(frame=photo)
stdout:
h=7 m=21 s=41
